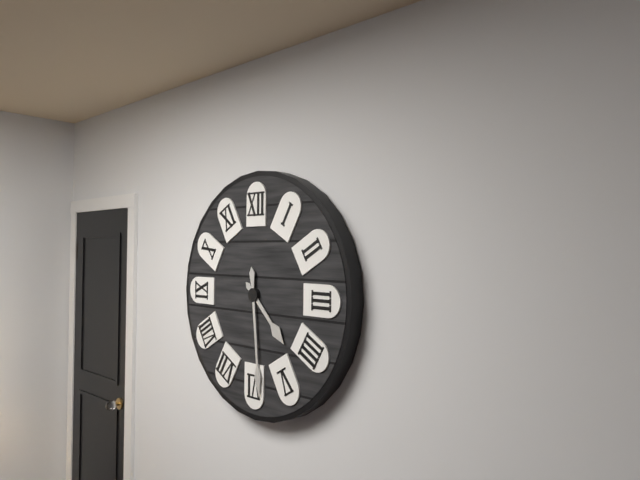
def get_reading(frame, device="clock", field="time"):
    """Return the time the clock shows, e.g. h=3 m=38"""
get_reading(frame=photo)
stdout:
h=4 m=29
